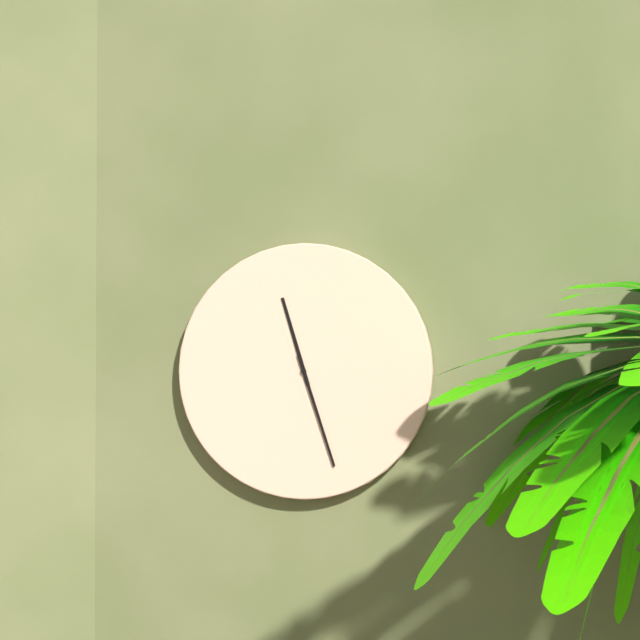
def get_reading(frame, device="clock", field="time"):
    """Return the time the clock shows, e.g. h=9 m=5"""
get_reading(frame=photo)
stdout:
h=11 m=27
